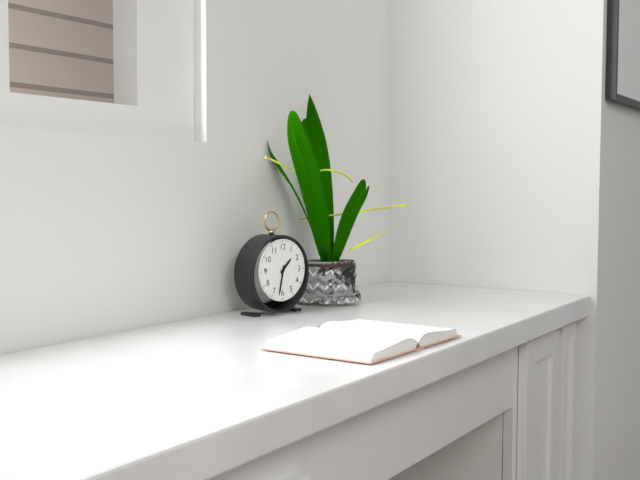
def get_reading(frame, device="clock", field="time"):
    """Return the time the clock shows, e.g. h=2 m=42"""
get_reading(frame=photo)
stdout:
h=1 m=32
